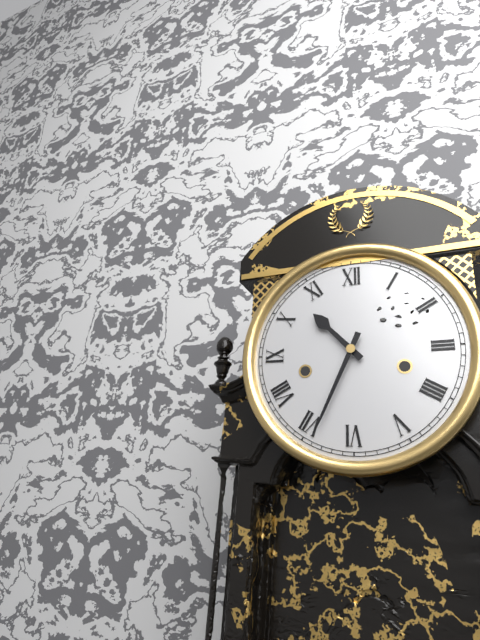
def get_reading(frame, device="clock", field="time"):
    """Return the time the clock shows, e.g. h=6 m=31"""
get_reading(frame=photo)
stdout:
h=10 m=34
